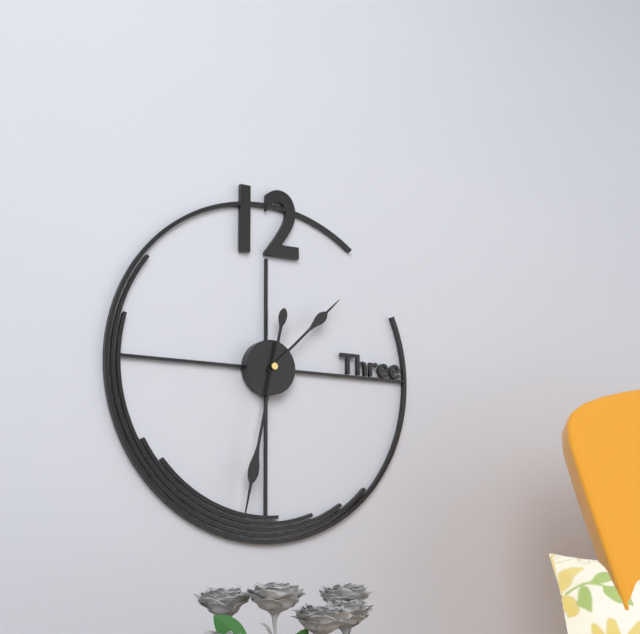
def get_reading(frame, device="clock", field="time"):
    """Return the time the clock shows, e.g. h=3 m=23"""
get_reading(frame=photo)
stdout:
h=1 m=32
